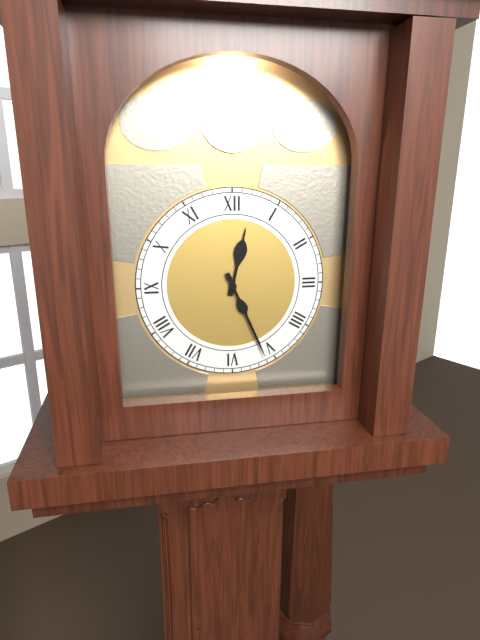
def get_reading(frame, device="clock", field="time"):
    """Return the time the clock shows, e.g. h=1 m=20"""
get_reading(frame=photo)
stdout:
h=12 m=26
